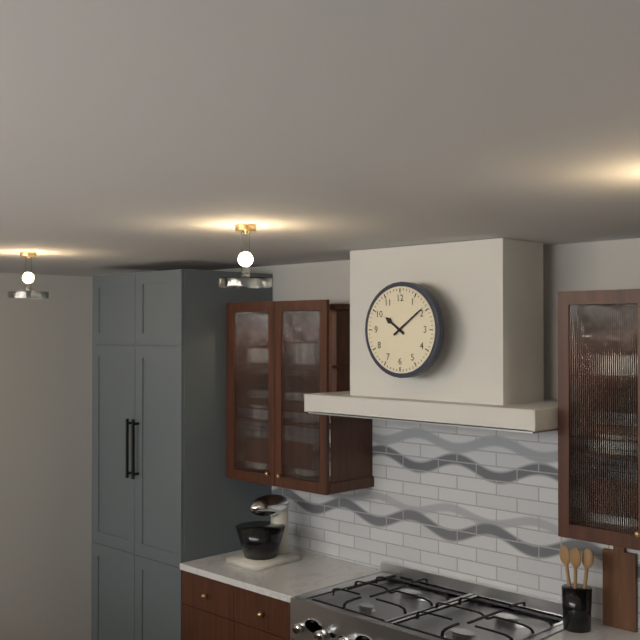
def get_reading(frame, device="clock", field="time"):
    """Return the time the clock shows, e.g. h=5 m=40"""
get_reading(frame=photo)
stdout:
h=10 m=9
